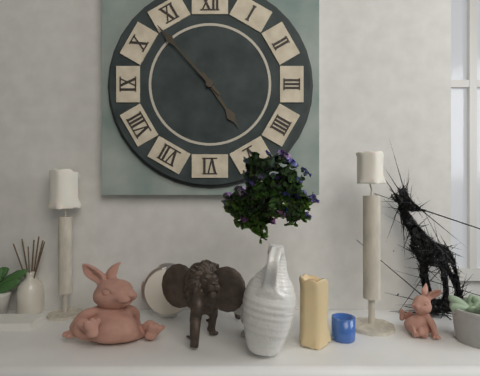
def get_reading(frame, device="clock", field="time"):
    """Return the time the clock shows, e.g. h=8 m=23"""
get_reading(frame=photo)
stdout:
h=4 m=53
